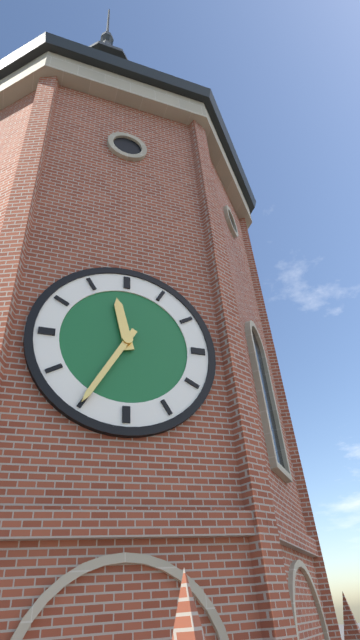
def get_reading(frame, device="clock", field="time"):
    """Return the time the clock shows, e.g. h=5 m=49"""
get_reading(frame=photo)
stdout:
h=11 m=35
